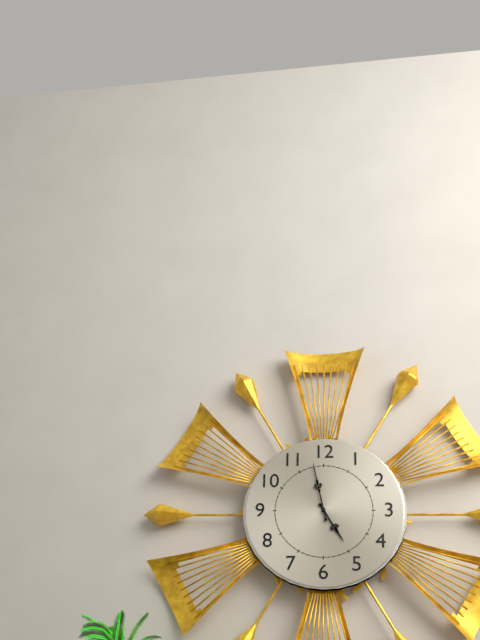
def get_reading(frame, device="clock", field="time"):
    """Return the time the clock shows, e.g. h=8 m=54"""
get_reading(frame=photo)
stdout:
h=4 m=58
